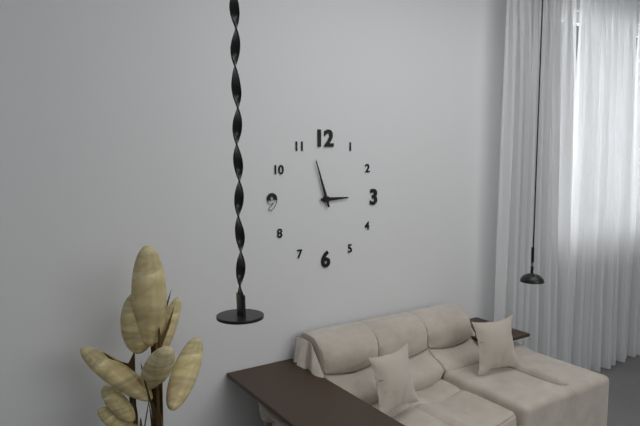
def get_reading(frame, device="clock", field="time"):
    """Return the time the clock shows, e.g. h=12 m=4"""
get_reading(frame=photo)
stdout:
h=2 m=57
